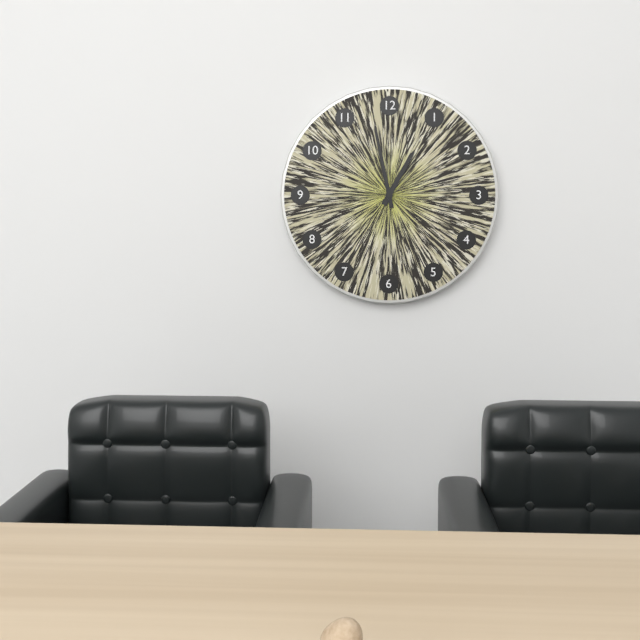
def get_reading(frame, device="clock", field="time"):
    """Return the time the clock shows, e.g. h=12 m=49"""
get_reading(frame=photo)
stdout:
h=12 m=58
